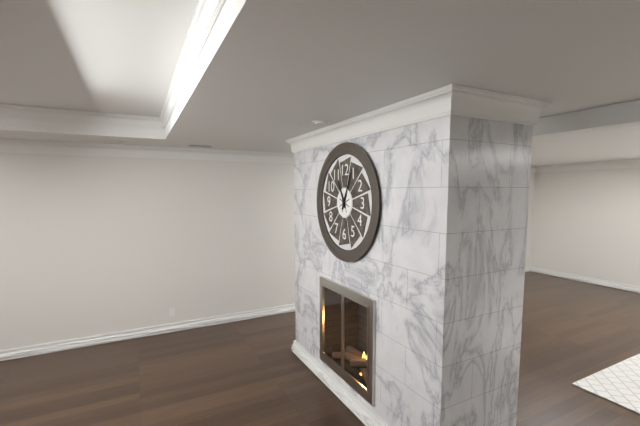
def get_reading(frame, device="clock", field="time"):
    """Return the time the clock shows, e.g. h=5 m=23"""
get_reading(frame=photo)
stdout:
h=11 m=4
